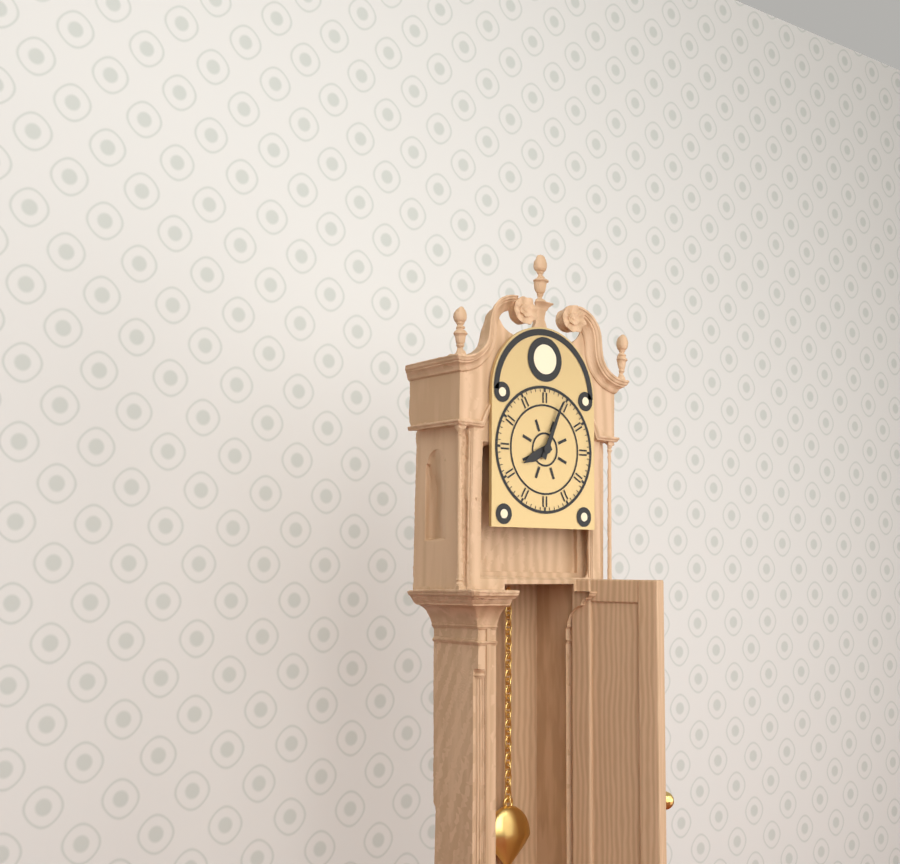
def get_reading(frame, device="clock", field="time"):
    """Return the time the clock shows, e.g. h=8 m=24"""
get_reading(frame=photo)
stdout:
h=8 m=4
